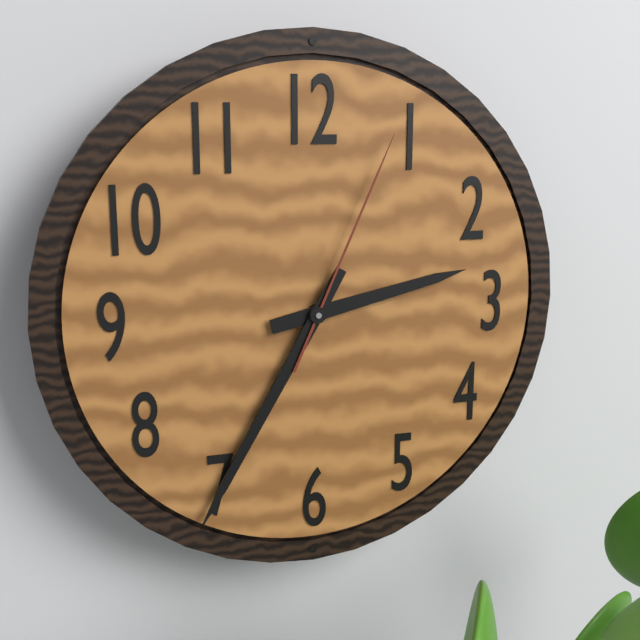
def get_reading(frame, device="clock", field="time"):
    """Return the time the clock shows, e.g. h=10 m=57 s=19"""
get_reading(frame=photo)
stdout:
h=2 m=35 s=4
